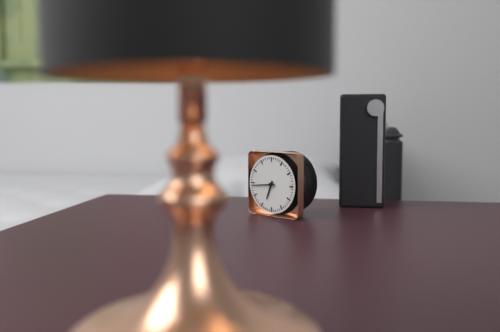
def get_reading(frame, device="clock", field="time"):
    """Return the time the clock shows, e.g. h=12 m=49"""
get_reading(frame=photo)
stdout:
h=6 m=44
